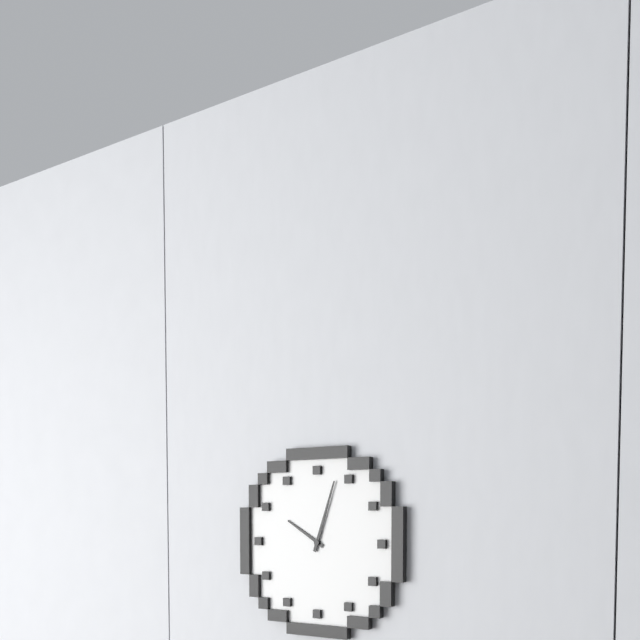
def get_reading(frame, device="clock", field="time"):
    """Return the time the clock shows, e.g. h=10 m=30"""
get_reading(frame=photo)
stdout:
h=10 m=3
